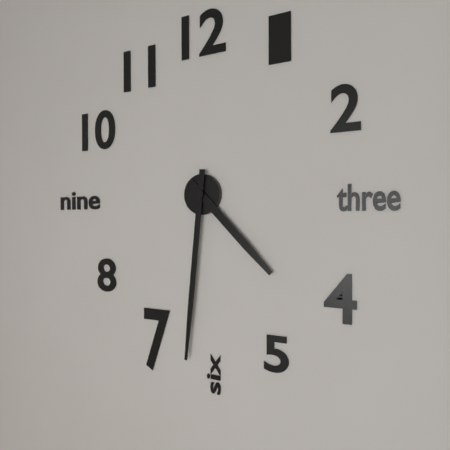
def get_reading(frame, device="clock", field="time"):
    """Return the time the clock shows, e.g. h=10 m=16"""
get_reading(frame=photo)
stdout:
h=4 m=31
